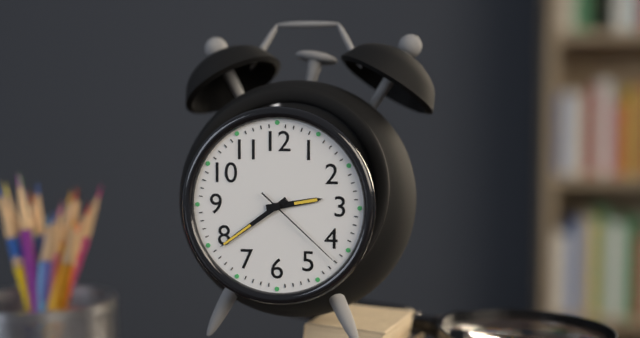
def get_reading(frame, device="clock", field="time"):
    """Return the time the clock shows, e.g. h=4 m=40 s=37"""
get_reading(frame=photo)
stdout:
h=2 m=39 s=22
